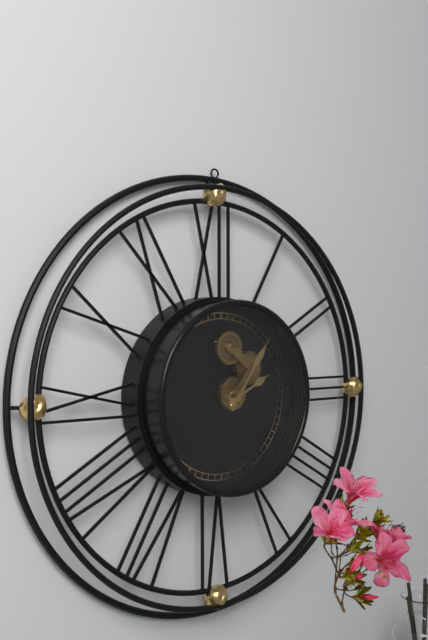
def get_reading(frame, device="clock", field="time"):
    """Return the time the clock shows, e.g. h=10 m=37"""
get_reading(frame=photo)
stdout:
h=2 m=6
